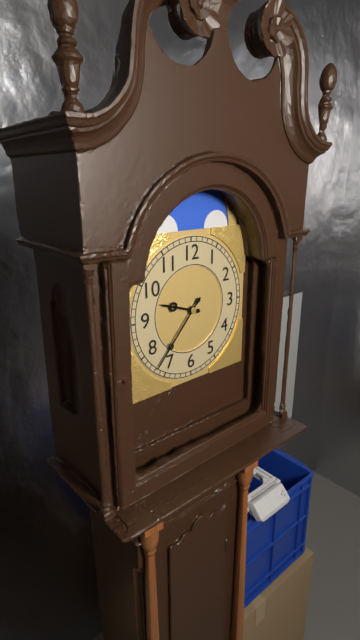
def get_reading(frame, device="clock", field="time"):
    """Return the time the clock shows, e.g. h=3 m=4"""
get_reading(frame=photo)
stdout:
h=9 m=37
